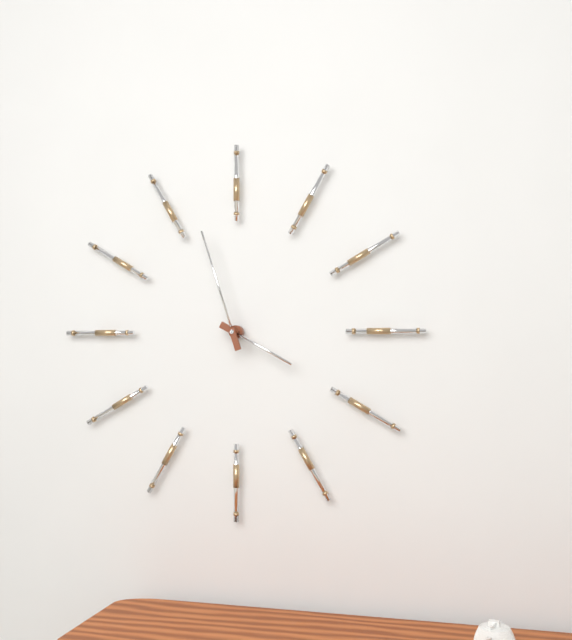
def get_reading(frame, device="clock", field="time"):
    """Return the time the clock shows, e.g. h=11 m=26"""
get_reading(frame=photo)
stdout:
h=3 m=57
